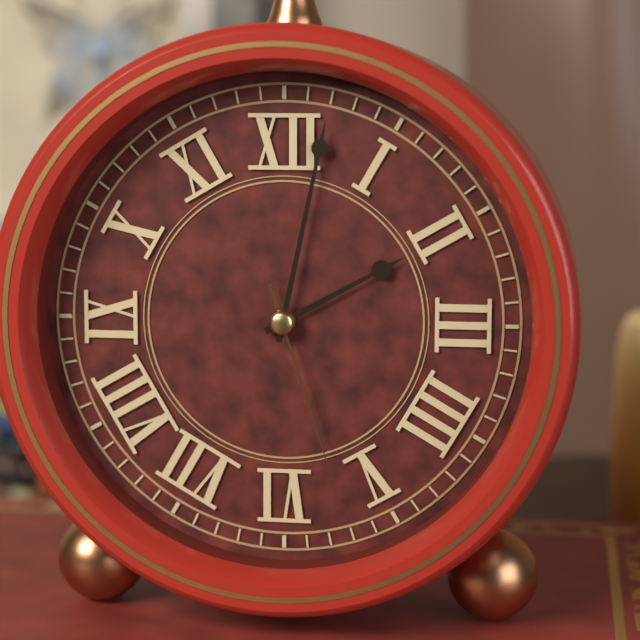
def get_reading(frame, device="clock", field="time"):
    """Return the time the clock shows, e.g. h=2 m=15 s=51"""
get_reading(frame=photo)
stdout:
h=2 m=2 s=27
